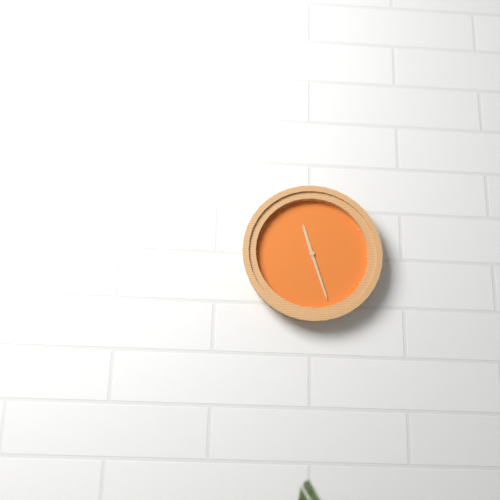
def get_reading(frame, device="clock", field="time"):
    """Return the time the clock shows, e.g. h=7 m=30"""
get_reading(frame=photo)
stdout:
h=11 m=27
